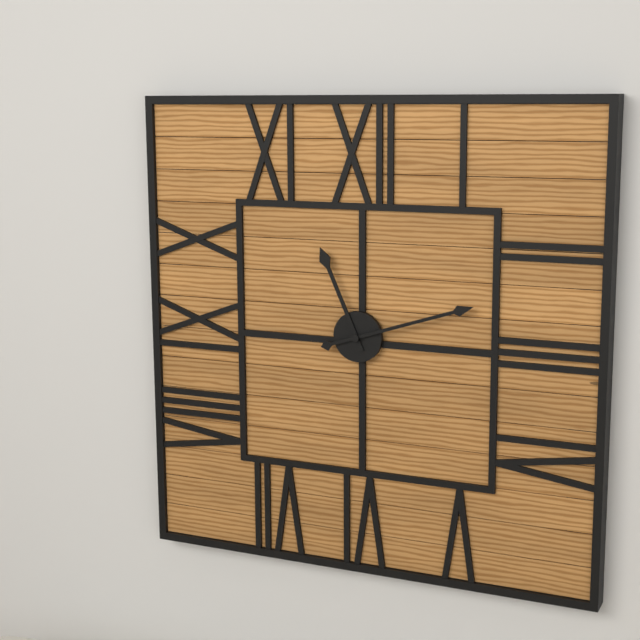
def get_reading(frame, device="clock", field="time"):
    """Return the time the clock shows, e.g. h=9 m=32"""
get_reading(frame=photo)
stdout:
h=11 m=12
